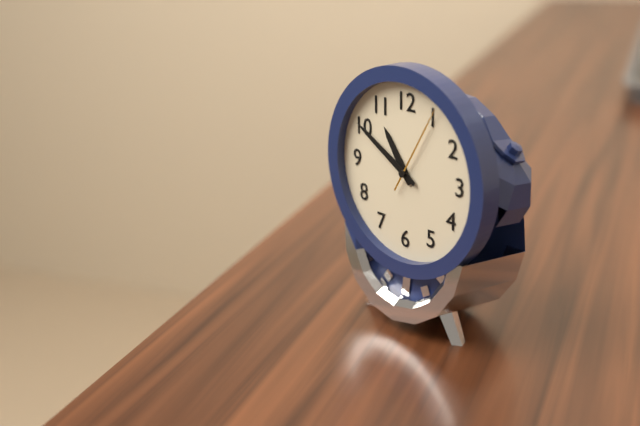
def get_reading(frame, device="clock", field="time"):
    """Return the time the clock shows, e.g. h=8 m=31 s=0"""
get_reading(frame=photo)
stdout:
h=10 m=50 s=5
